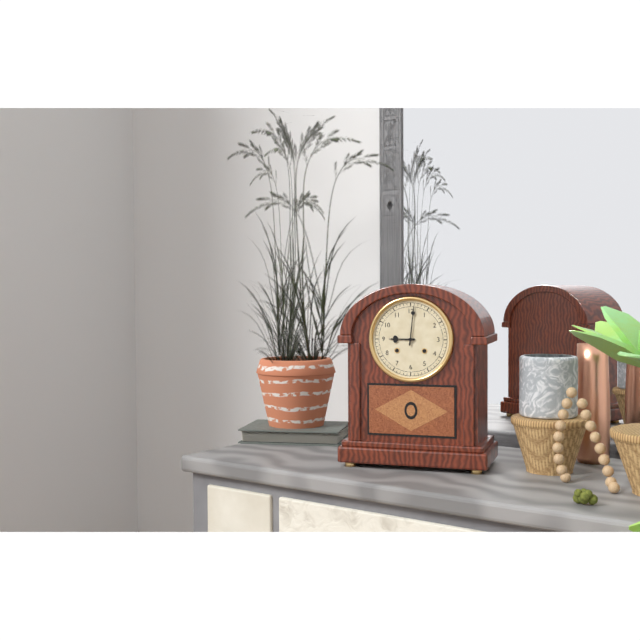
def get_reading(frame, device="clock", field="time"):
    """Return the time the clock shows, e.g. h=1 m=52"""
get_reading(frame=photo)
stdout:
h=9 m=1
